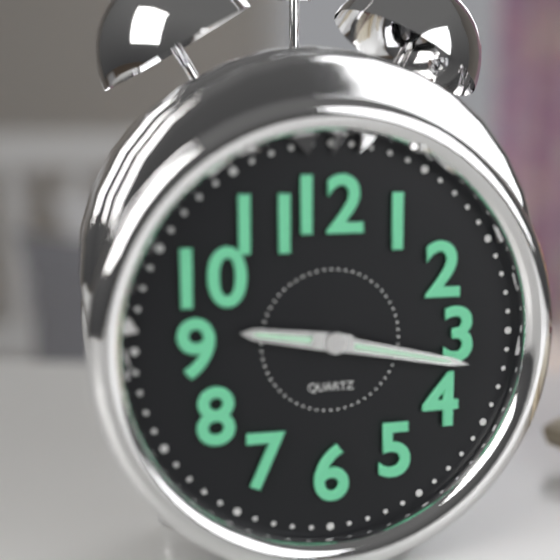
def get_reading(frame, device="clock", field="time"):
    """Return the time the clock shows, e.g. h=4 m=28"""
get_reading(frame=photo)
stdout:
h=9 m=17
